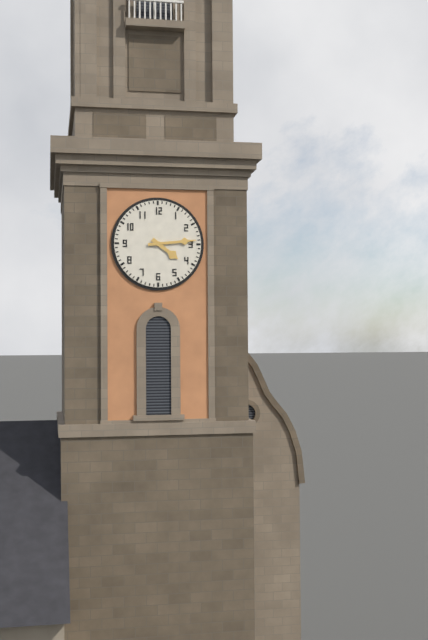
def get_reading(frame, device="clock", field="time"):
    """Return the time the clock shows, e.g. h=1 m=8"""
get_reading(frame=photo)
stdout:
h=4 m=14
